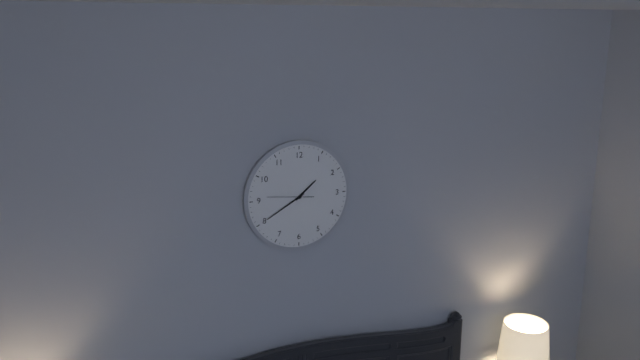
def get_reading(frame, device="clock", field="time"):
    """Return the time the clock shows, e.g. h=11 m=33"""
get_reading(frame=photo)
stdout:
h=1 m=40
